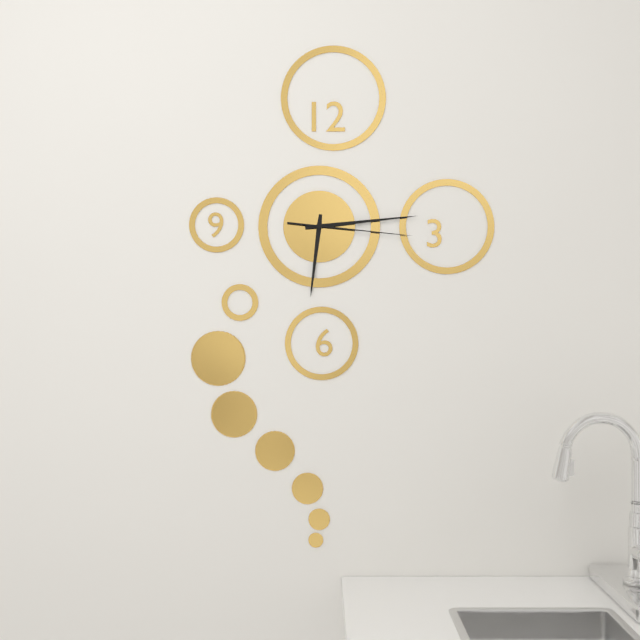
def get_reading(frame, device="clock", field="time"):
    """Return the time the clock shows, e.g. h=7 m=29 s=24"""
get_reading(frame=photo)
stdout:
h=6 m=14 s=16
